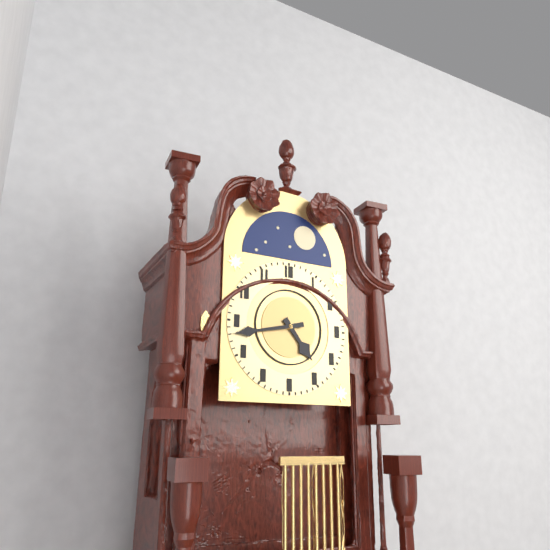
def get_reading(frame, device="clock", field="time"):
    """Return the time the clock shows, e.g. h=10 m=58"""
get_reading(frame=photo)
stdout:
h=4 m=43
